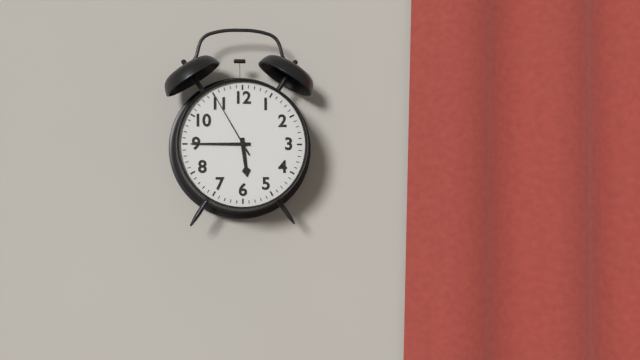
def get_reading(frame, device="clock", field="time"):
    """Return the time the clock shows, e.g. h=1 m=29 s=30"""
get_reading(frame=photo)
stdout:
h=5 m=45 s=55
